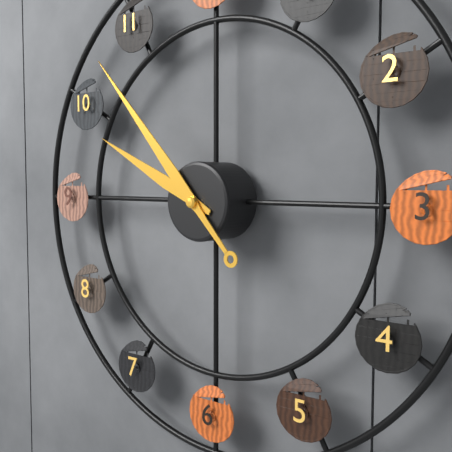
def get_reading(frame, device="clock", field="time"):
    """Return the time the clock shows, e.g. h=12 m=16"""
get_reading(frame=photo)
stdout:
h=9 m=53
